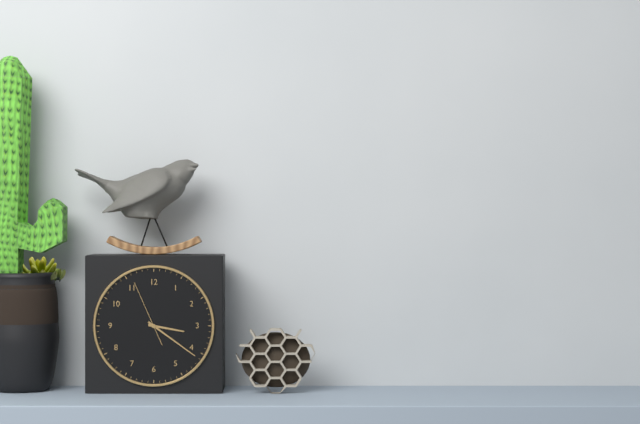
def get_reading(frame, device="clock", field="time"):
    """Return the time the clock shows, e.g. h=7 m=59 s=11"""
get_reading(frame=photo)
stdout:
h=3 m=21 s=56
